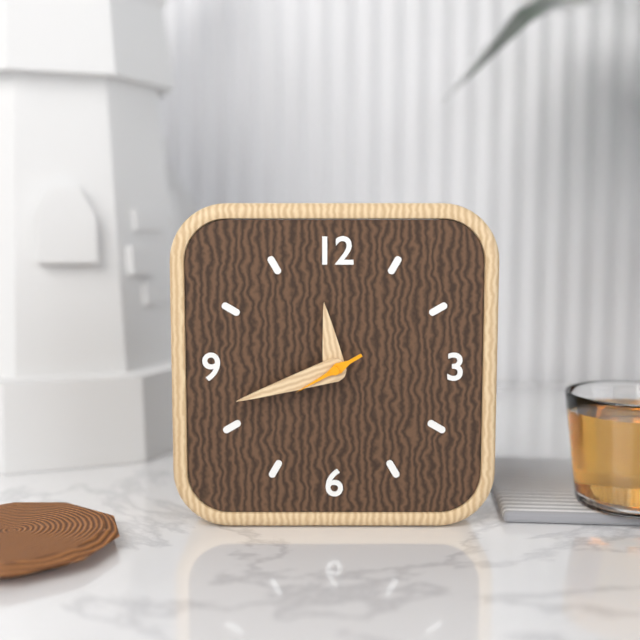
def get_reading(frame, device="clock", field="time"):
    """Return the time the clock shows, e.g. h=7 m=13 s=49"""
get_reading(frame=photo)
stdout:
h=11 m=42 s=40
